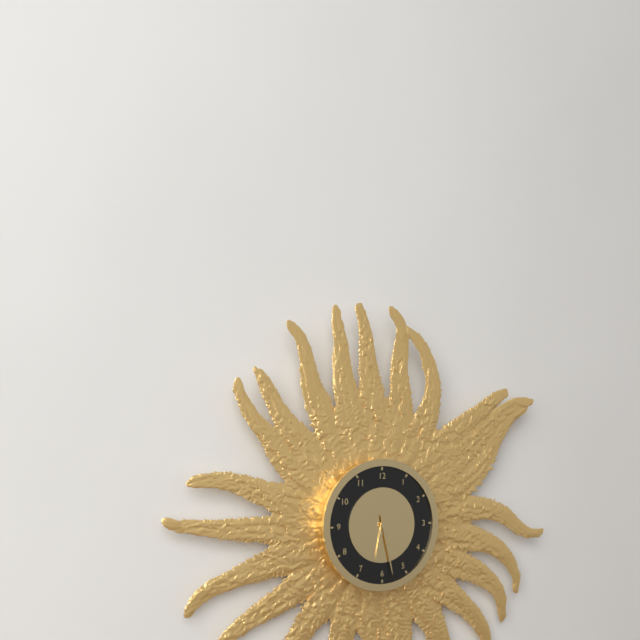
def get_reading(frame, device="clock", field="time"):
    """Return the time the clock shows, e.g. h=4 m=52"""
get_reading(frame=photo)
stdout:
h=6 m=28
